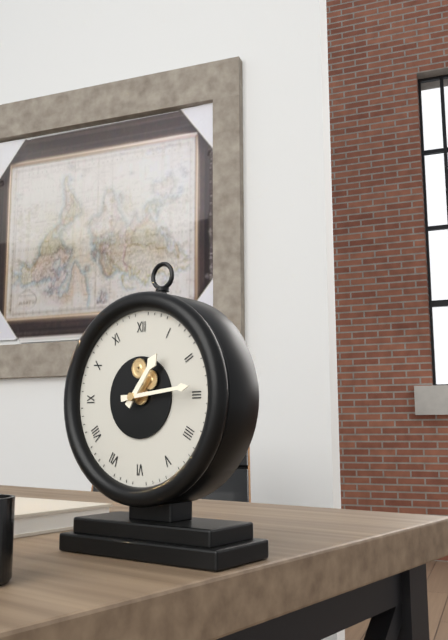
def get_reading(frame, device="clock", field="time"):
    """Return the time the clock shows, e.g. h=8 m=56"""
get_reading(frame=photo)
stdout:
h=1 m=14
